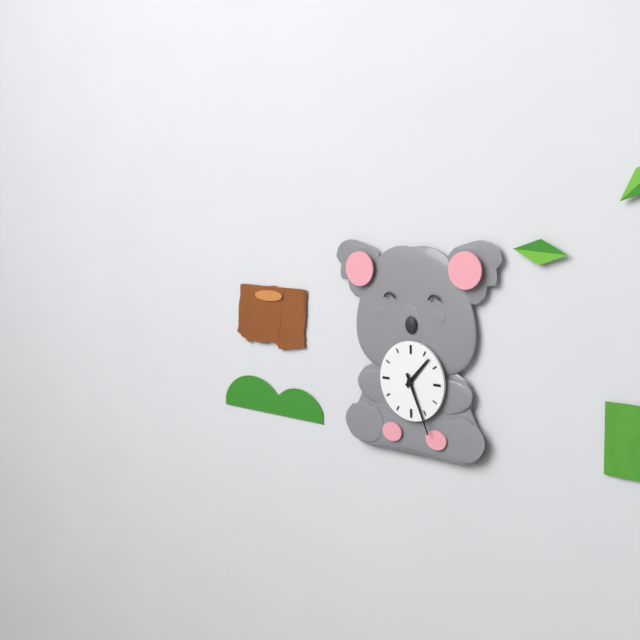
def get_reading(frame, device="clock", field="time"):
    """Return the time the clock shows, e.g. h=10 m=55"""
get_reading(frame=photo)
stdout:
h=1 m=26
